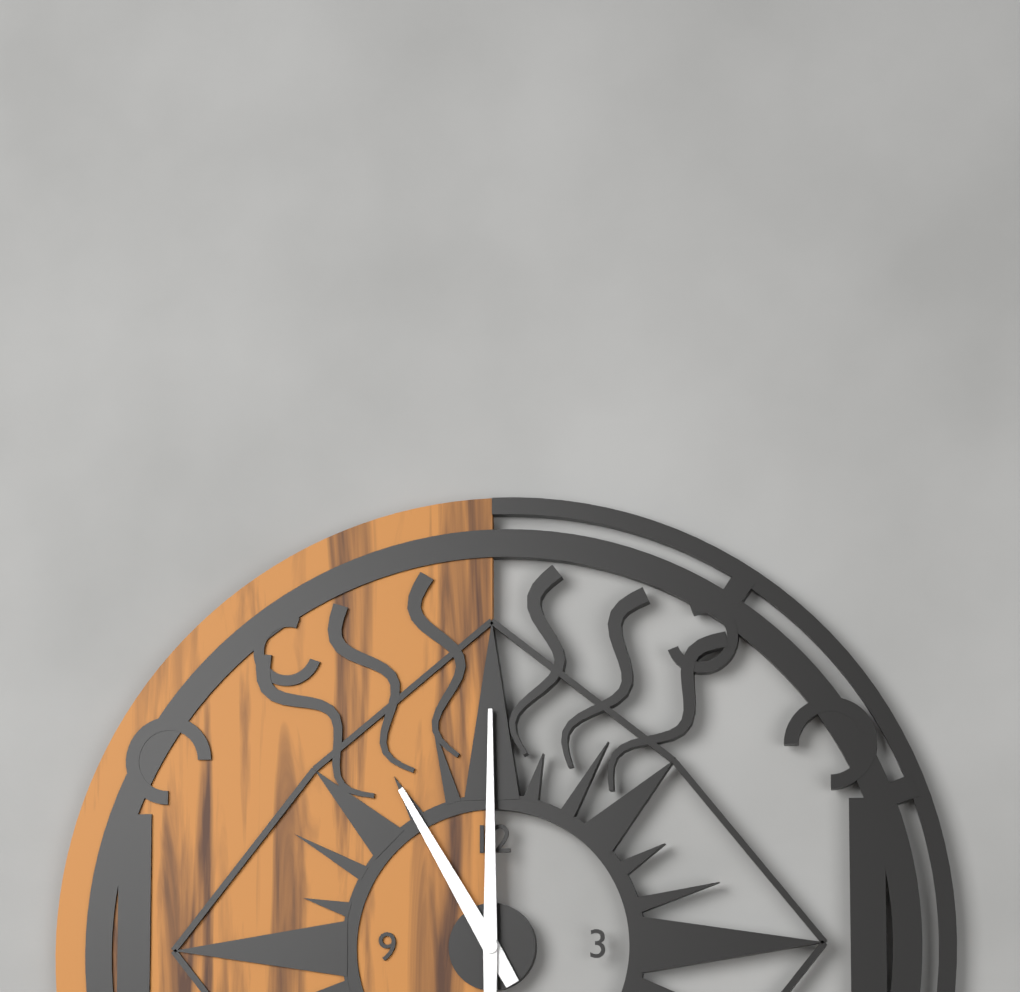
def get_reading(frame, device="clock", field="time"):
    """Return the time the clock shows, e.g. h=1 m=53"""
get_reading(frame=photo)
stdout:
h=11 m=0
